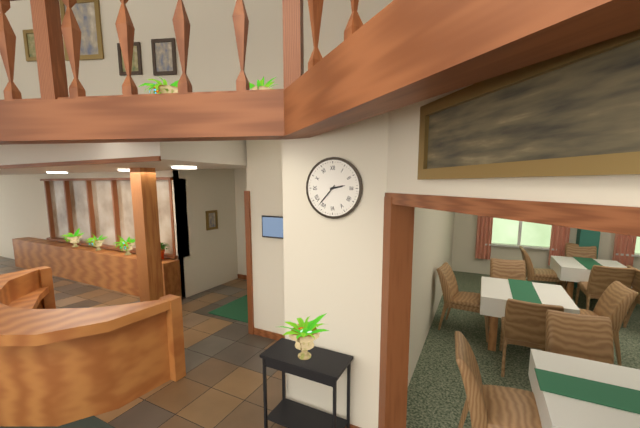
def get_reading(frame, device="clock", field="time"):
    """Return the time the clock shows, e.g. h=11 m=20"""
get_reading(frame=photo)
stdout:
h=2 m=37
